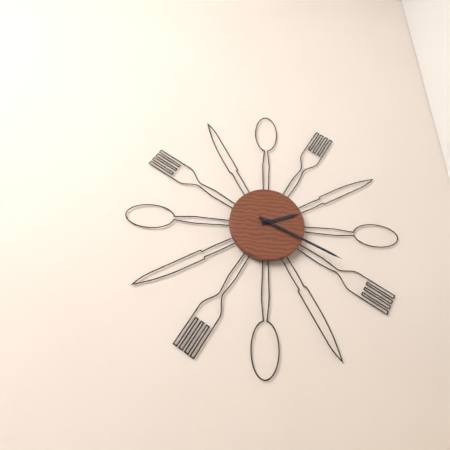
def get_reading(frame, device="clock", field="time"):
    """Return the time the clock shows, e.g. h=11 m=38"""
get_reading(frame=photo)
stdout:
h=2 m=19
